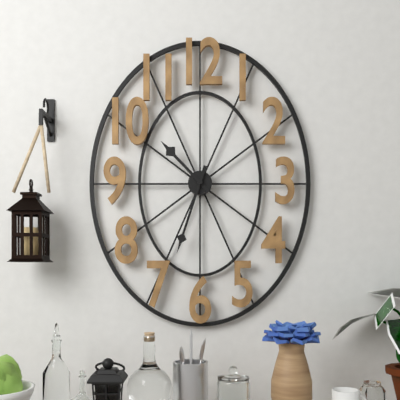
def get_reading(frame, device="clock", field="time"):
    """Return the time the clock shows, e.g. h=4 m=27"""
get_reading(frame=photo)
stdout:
h=10 m=33
